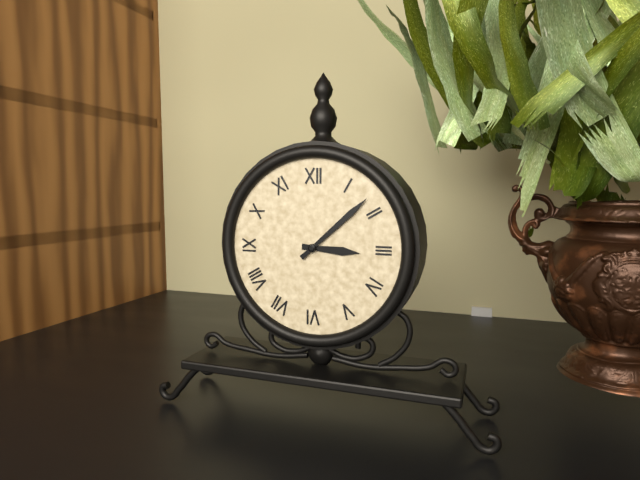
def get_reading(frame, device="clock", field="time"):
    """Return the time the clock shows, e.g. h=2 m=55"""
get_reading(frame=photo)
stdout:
h=3 m=8
